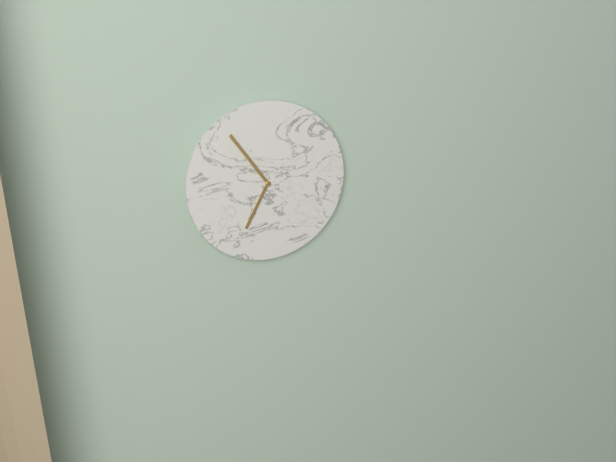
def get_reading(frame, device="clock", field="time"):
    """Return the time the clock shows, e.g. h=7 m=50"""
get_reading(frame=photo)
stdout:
h=6 m=54
